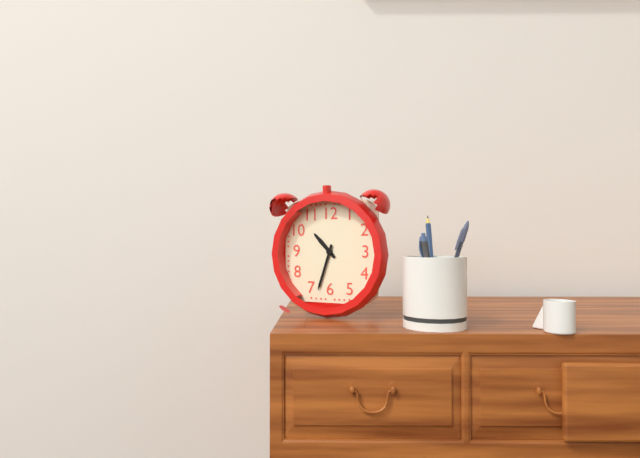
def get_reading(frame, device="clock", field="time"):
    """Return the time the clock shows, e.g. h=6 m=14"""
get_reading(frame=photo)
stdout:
h=10 m=33
